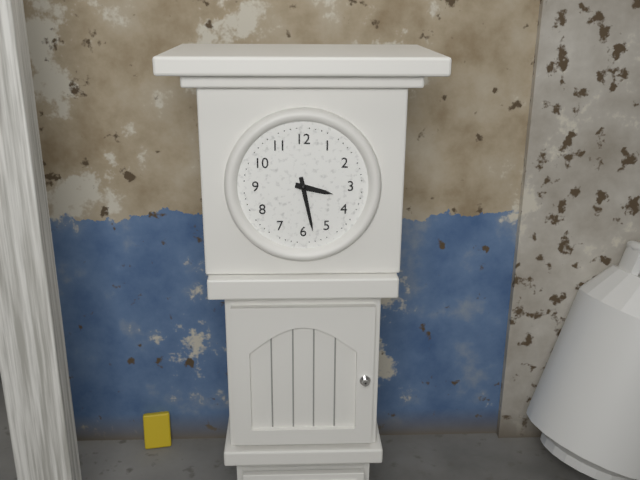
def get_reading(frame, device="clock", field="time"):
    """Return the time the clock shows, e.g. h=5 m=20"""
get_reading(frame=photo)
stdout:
h=3 m=28
